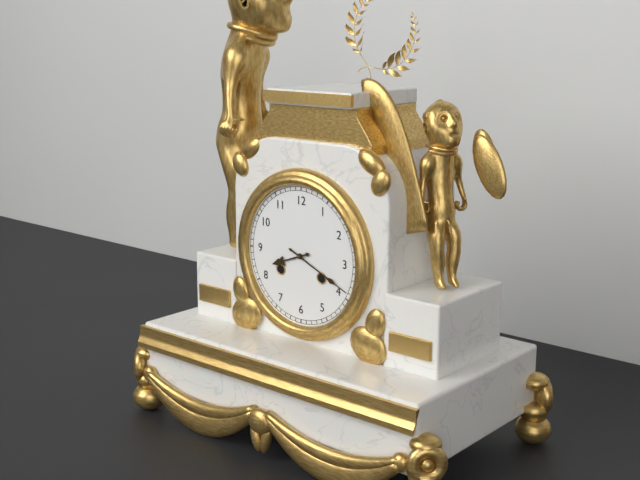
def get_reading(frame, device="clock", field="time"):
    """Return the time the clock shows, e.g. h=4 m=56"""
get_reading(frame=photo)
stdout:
h=8 m=19
